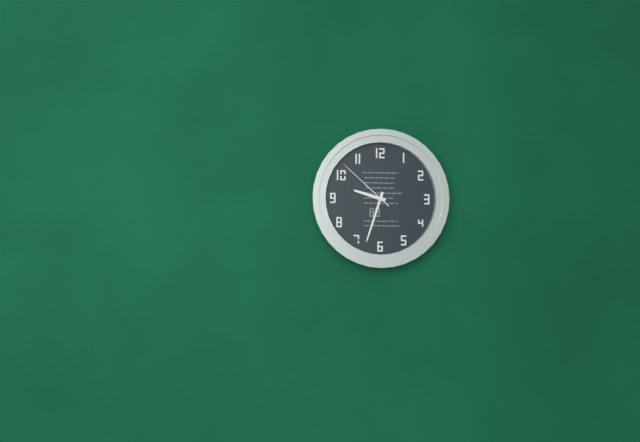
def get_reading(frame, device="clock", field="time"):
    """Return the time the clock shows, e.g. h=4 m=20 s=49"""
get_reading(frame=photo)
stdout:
h=9 m=33 s=52
